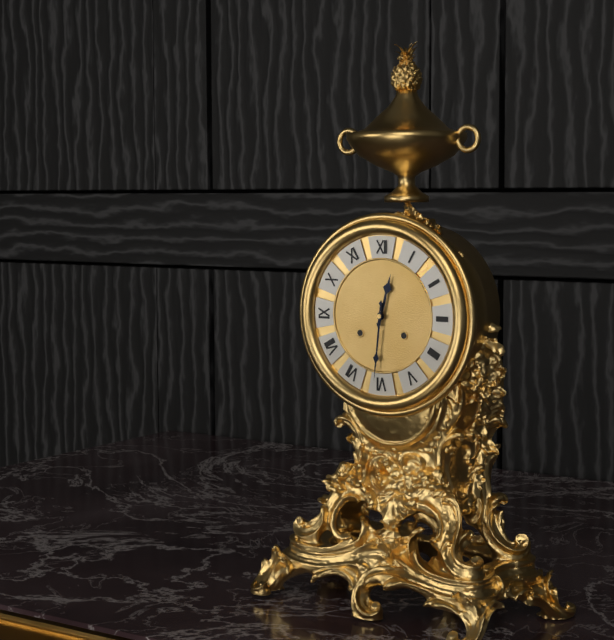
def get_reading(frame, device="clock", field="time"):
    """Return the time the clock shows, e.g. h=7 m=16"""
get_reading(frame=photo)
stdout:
h=12 m=31
